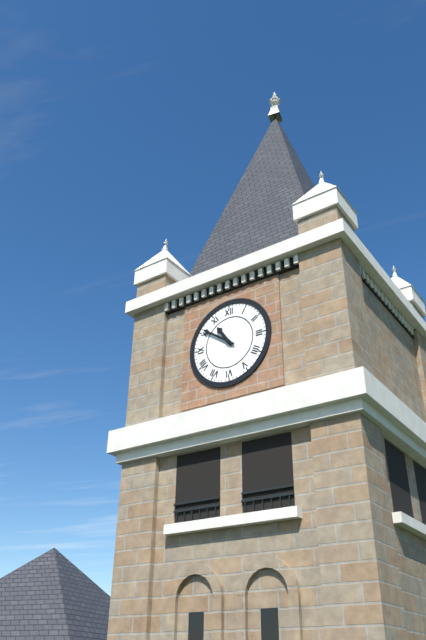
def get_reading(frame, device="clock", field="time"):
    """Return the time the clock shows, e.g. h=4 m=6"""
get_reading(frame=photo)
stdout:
h=10 m=51
